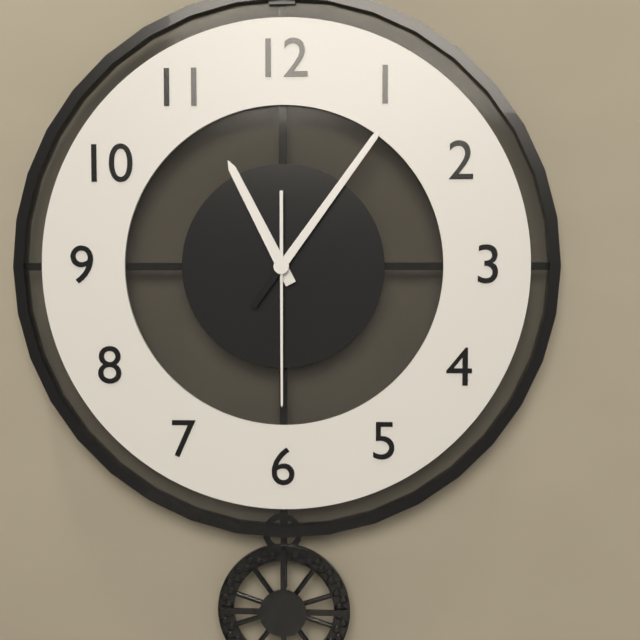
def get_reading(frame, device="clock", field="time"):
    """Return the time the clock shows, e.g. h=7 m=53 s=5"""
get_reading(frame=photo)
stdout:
h=11 m=6 s=30
